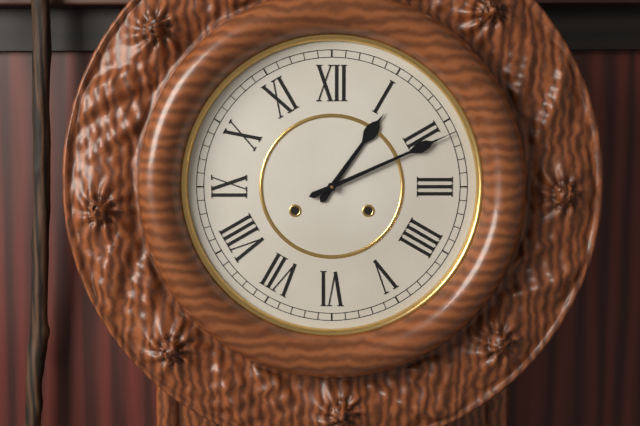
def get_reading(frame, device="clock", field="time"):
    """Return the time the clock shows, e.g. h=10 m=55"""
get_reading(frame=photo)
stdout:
h=1 m=11
